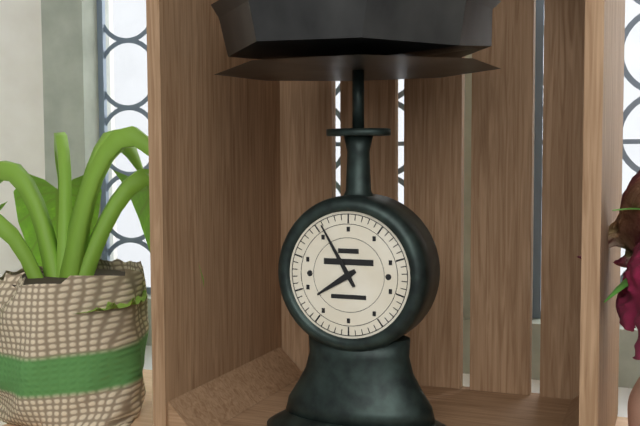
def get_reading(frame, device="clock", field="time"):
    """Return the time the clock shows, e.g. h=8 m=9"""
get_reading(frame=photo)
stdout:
h=7 m=55
